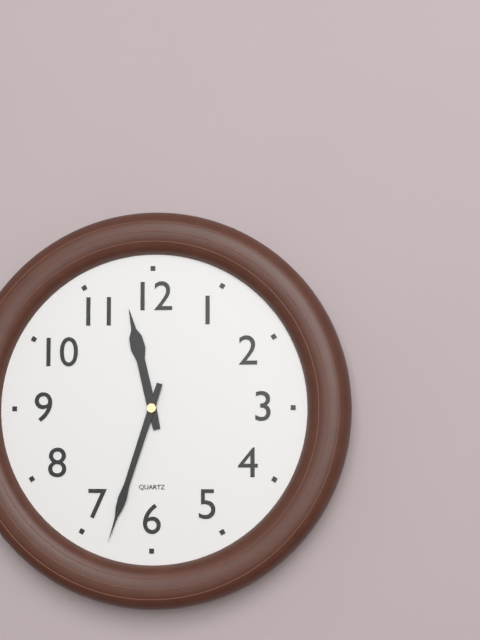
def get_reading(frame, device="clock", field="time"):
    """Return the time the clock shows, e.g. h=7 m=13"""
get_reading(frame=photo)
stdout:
h=11 m=33
